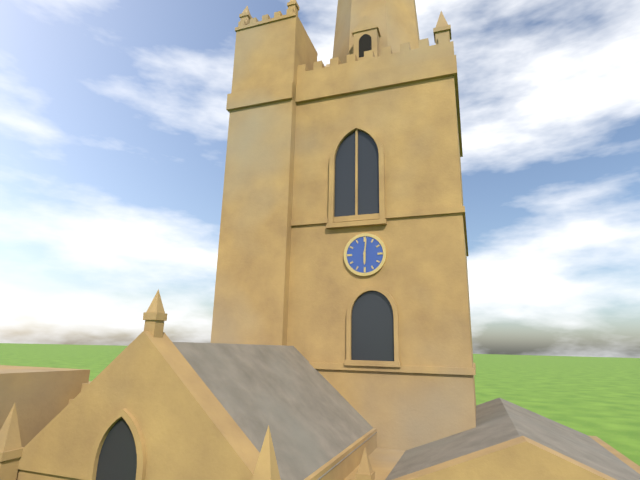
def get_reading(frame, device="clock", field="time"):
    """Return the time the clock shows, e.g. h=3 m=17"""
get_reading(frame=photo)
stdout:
h=6 m=1
